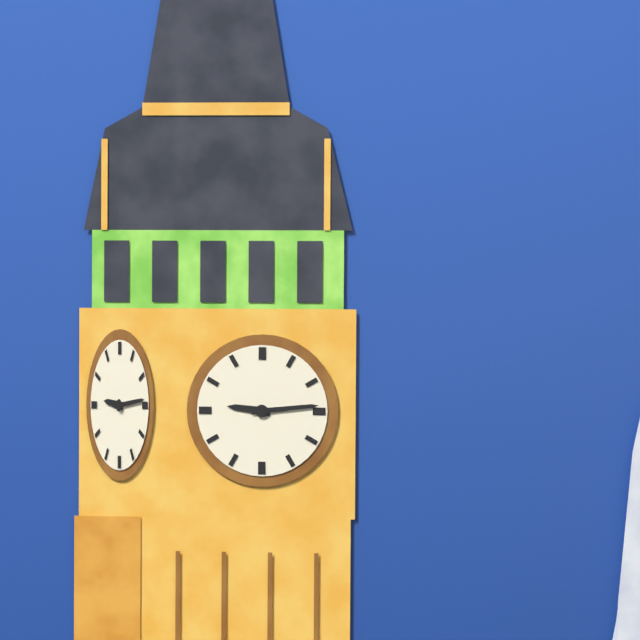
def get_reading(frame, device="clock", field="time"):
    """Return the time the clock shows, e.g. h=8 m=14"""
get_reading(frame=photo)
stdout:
h=9 m=14
